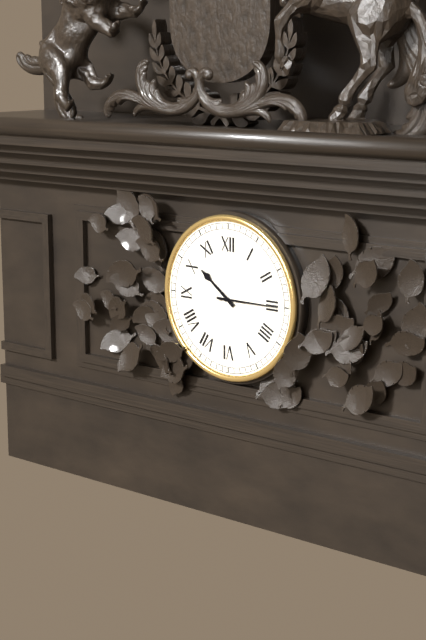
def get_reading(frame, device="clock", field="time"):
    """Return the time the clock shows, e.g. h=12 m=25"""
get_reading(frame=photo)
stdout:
h=10 m=15
